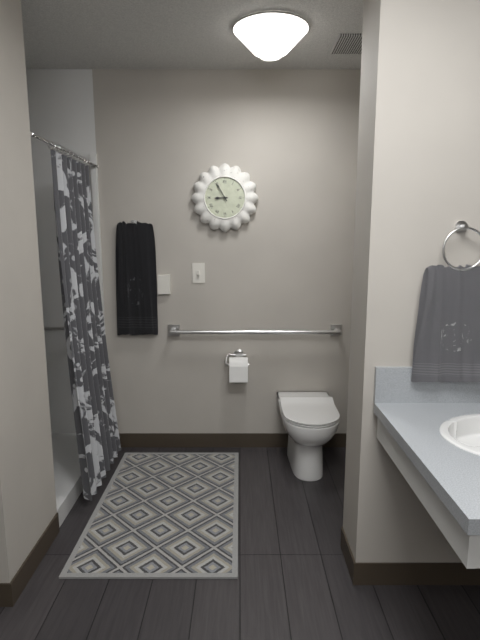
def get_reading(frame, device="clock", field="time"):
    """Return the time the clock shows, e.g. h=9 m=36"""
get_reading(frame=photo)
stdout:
h=8 m=55
